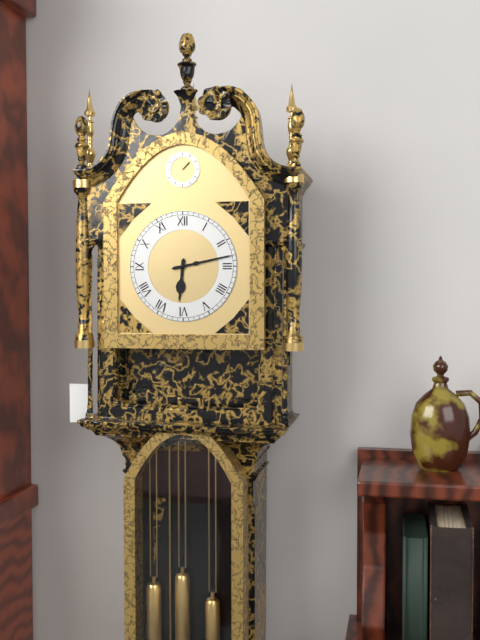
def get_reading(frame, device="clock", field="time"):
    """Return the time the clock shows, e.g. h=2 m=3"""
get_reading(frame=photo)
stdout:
h=6 m=13
